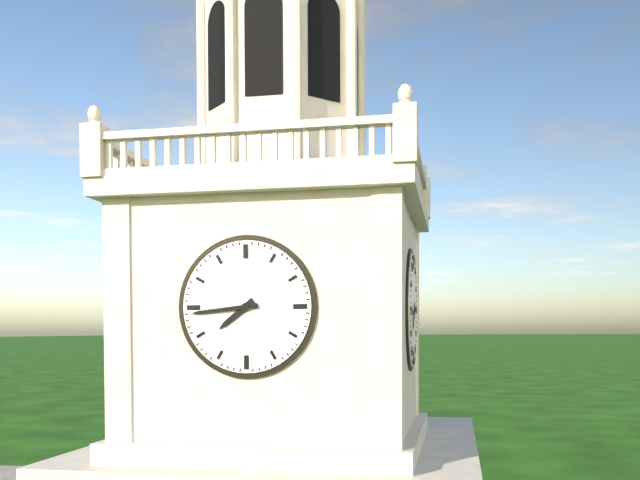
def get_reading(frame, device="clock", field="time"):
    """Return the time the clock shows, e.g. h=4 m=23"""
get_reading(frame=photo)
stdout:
h=7 m=44
